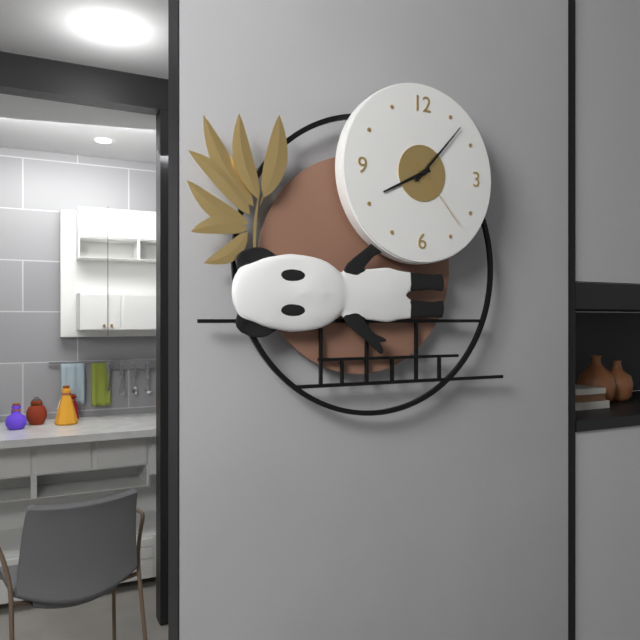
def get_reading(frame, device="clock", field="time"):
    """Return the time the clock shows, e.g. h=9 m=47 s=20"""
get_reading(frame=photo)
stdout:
h=8 m=7 s=23
